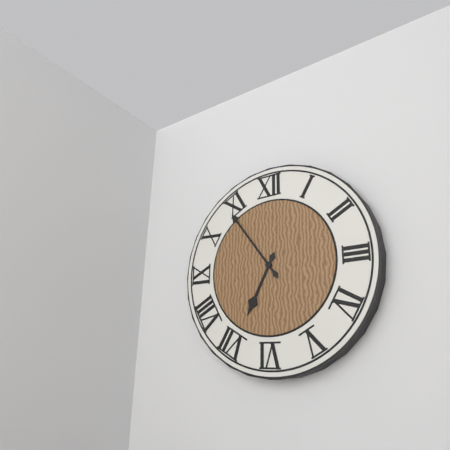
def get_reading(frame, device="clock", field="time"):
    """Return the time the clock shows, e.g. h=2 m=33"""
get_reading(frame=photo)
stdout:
h=6 m=54
